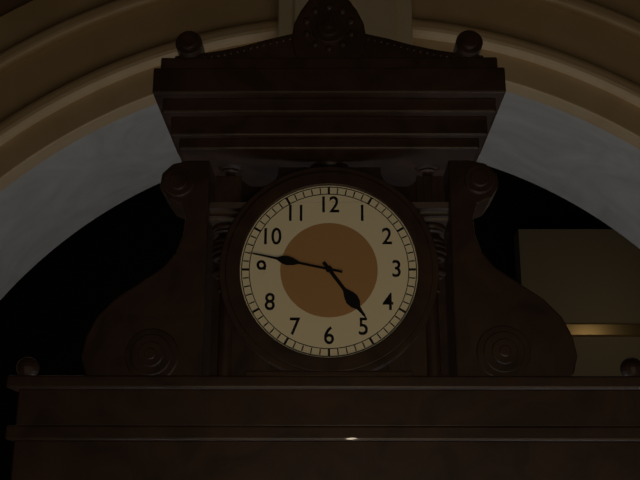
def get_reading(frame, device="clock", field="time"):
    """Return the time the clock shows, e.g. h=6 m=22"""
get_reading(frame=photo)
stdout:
h=4 m=47
